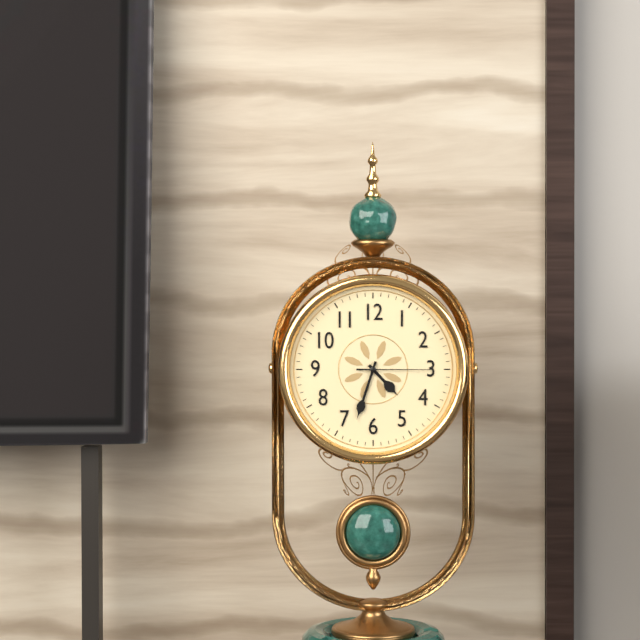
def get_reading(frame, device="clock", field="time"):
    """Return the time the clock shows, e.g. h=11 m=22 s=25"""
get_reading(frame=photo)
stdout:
h=4 m=33 s=15
